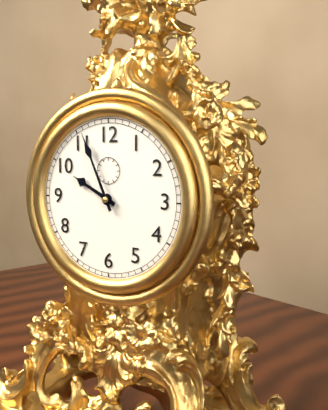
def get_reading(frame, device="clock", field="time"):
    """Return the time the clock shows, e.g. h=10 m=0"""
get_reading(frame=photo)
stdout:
h=9 m=56
